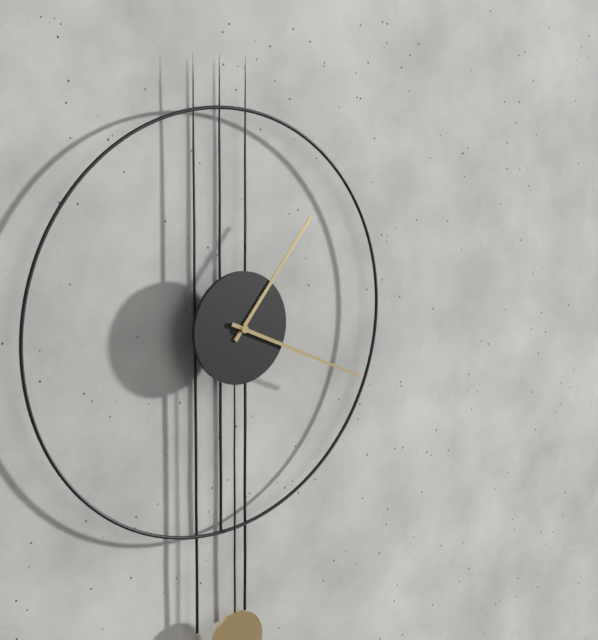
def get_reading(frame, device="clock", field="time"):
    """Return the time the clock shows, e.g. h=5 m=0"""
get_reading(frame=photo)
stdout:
h=1 m=19
